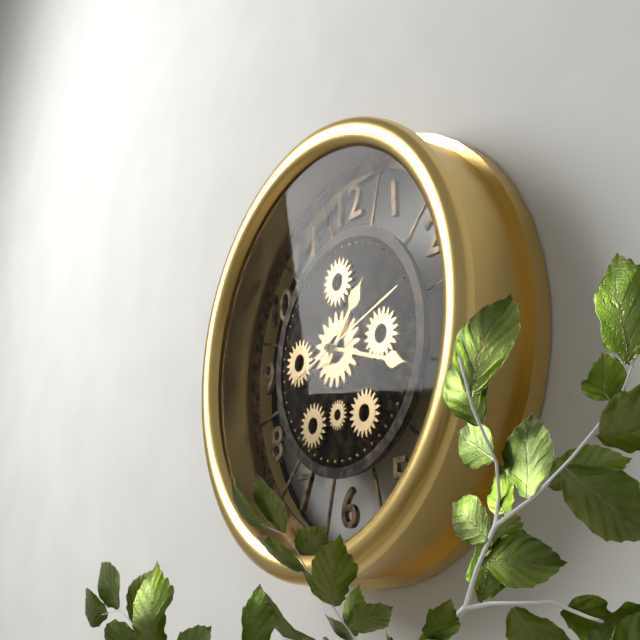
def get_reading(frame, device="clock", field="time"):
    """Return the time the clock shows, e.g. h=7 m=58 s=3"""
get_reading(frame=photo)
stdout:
h=1 m=18 s=12
